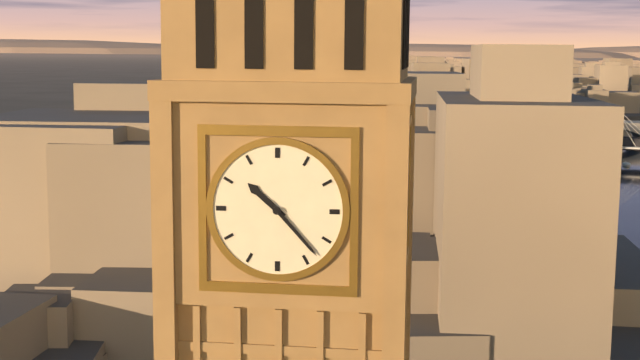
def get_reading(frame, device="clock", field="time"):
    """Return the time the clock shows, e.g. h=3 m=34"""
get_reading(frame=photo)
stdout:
h=10 m=23
